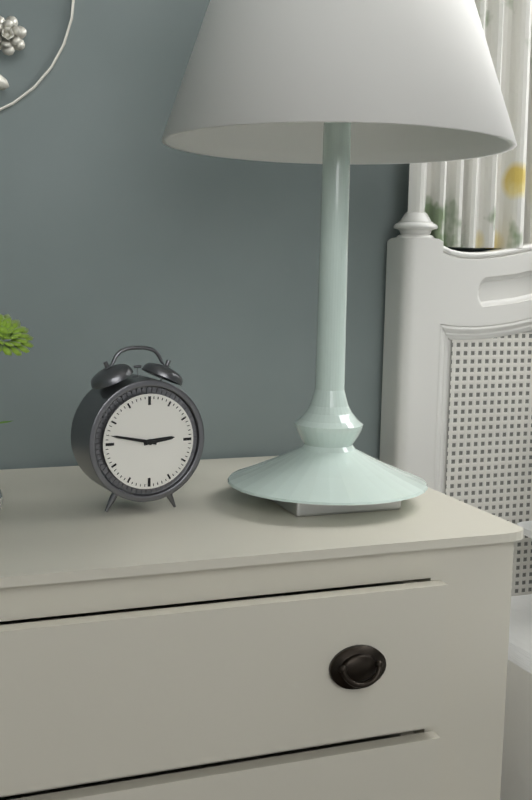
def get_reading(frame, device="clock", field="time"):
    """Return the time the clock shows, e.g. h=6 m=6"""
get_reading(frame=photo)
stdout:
h=2 m=47
